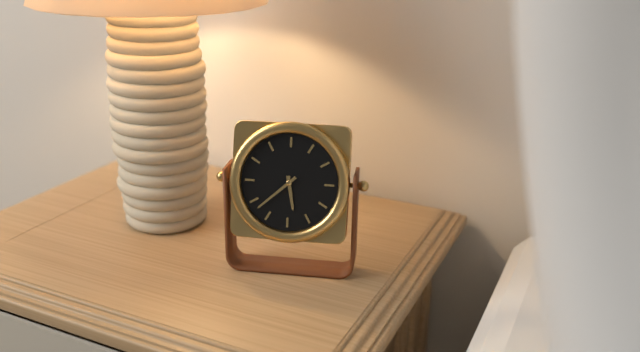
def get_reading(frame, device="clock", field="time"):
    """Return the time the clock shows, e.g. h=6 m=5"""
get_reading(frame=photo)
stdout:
h=5 m=38
